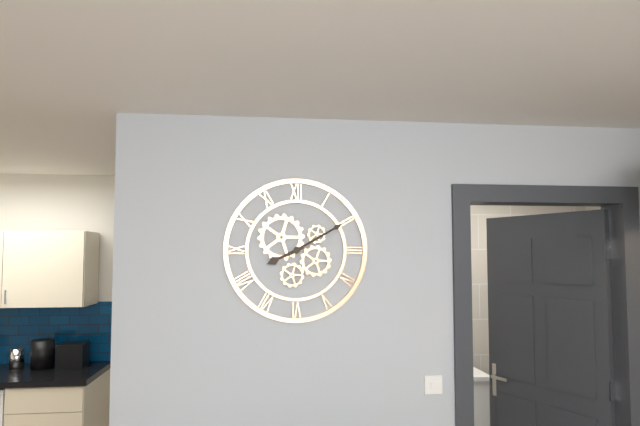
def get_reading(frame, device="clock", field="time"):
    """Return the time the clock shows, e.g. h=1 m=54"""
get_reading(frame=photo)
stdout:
h=8 m=10
